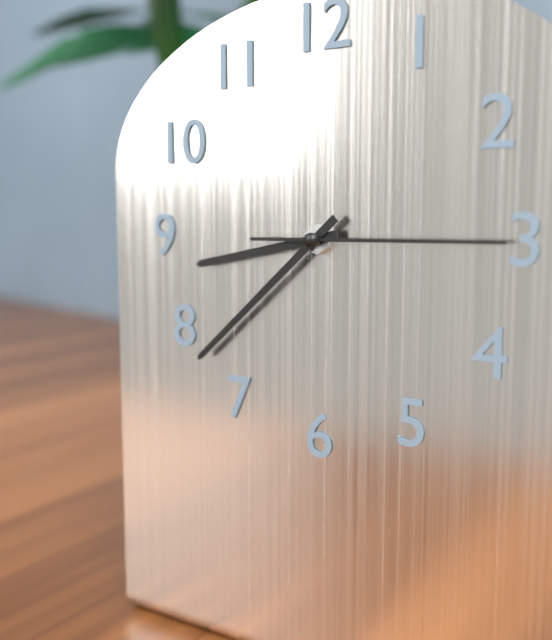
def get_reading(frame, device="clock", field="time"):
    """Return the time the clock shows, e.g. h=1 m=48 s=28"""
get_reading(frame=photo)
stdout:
h=8 m=38 s=15
